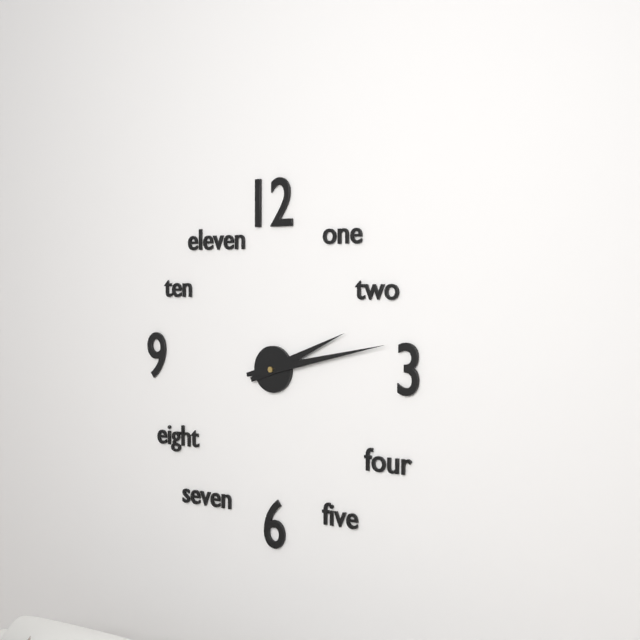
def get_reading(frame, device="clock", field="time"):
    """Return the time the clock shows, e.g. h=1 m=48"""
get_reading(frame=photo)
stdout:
h=2 m=13
